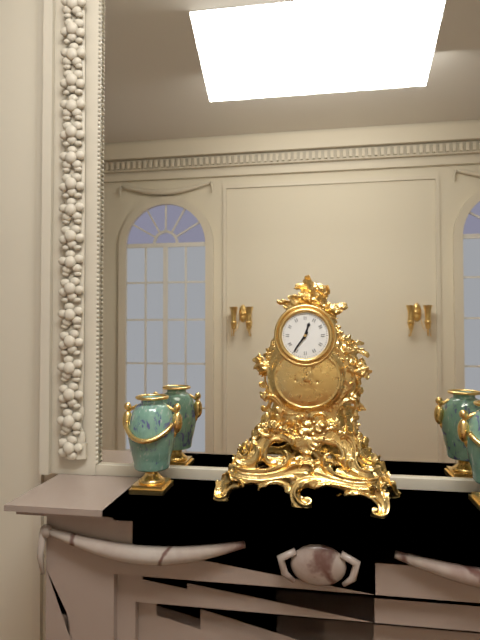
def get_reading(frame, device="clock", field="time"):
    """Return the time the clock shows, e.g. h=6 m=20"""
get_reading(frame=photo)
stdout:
h=12 m=36
